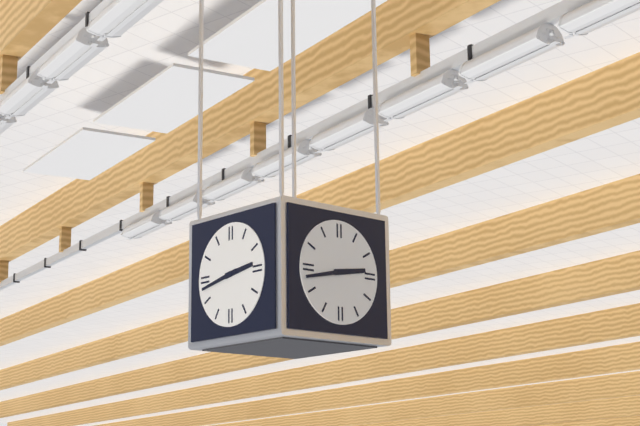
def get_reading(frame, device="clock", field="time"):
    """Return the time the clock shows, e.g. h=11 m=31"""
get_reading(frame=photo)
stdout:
h=2 m=43
